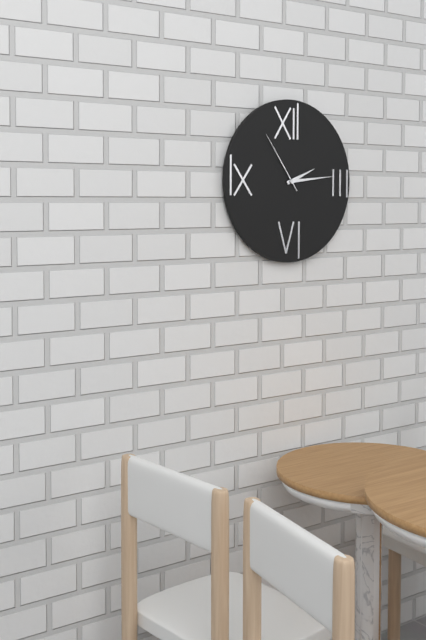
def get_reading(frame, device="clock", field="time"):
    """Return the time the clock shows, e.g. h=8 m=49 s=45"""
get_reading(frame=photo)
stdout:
h=2 m=14 s=54
